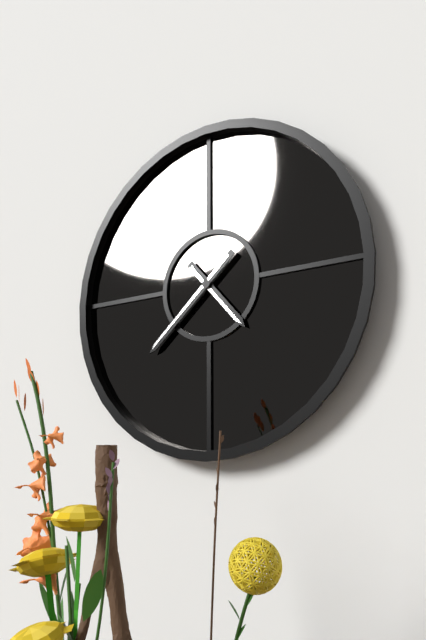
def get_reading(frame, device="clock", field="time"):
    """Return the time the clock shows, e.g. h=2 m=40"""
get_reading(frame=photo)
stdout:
h=4 m=38
